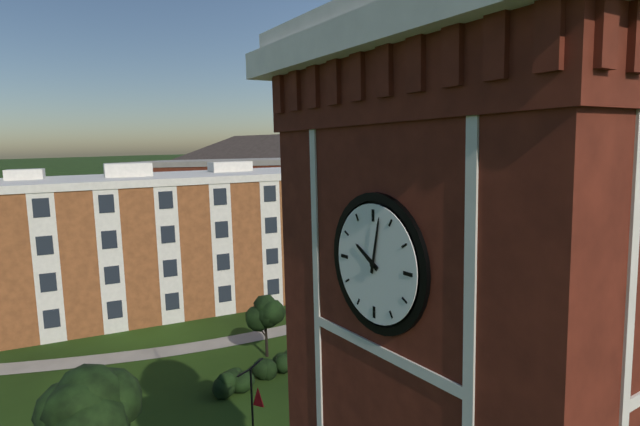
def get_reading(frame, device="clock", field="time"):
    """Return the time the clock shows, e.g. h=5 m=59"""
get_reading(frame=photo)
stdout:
h=10 m=2
